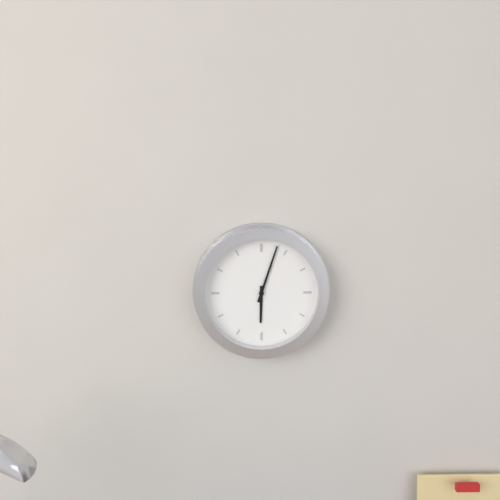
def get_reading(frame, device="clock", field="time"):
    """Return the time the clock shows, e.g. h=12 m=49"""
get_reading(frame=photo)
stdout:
h=6 m=3
